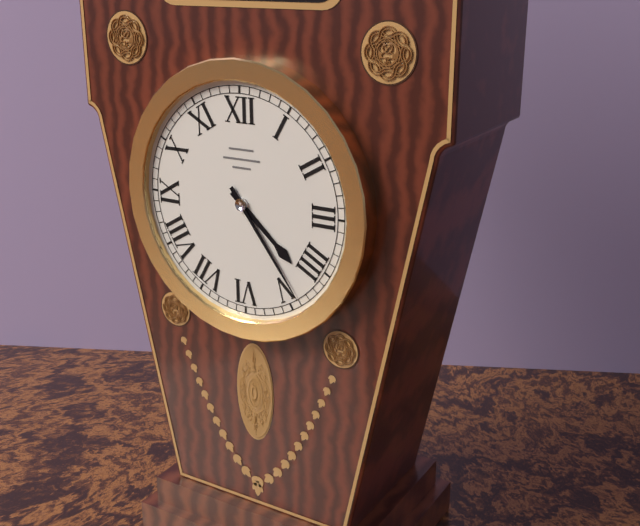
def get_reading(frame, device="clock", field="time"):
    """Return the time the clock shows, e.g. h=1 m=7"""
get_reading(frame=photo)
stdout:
h=4 m=24
